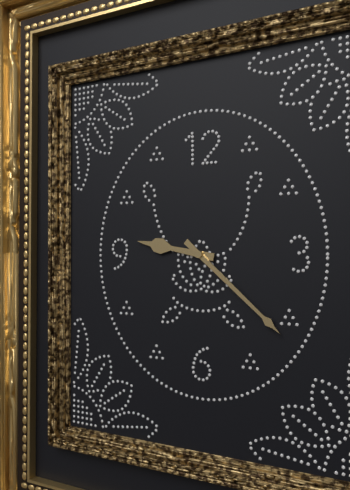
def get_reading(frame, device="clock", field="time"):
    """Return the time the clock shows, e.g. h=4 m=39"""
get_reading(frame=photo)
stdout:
h=9 m=22
